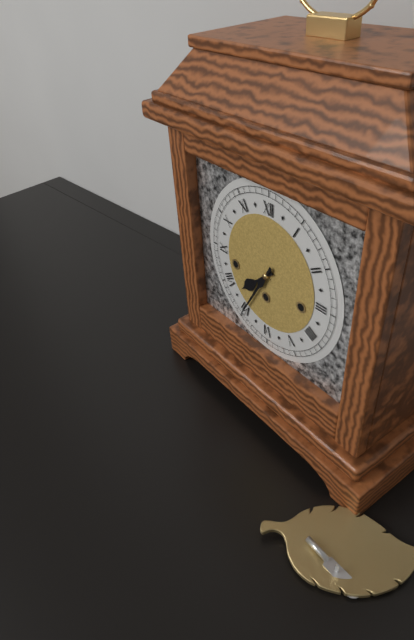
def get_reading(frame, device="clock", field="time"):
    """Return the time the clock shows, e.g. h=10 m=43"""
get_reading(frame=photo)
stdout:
h=7 m=35
